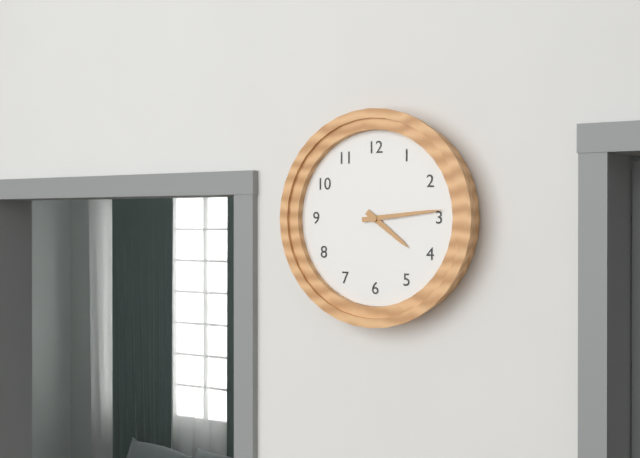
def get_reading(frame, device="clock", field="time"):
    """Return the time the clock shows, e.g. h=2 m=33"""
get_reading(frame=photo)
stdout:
h=4 m=14
